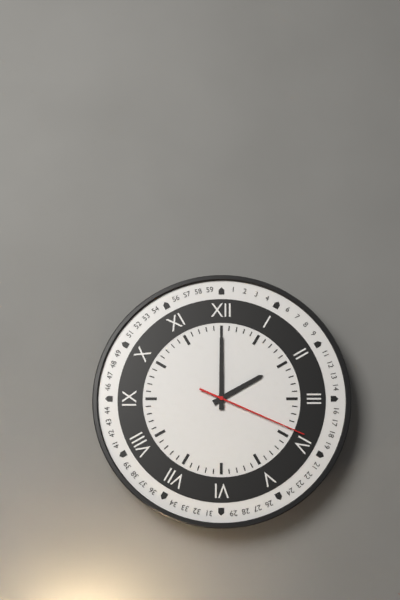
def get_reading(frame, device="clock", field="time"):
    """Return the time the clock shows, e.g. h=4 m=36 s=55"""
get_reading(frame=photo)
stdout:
h=2 m=0 s=19
